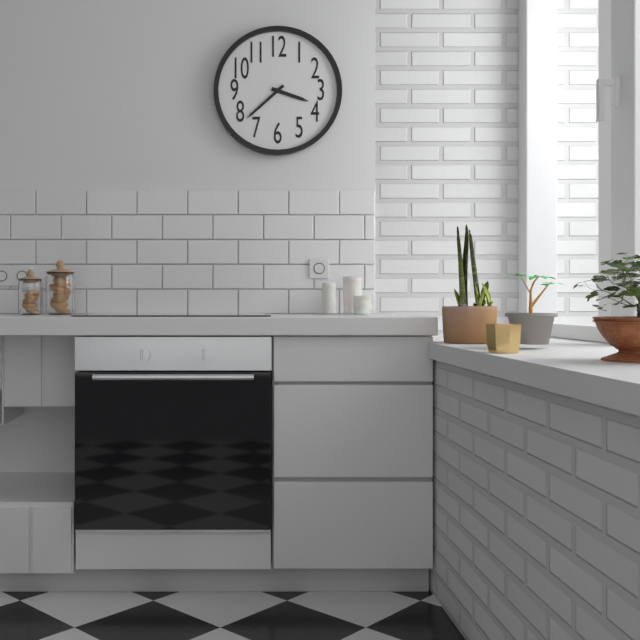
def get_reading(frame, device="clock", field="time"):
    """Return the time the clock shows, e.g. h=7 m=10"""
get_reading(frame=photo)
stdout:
h=3 m=38
